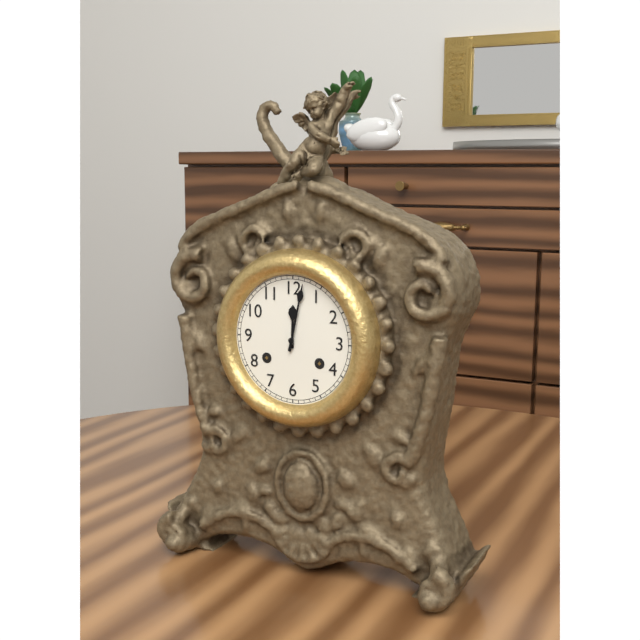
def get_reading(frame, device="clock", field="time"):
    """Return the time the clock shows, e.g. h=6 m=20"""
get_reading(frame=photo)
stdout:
h=12 m=2
